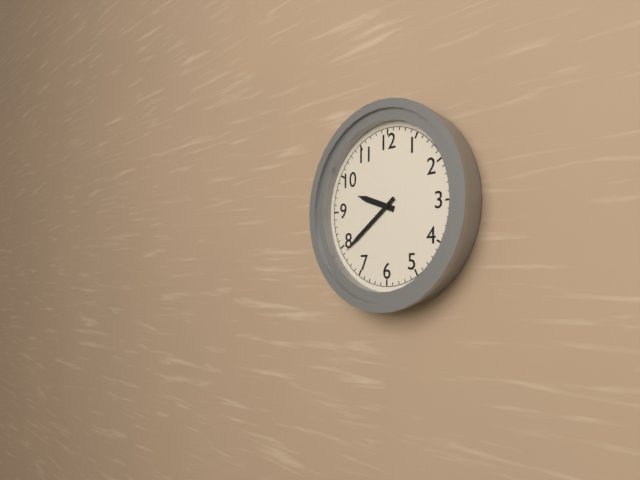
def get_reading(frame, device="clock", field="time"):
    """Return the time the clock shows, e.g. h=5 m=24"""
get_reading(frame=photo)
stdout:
h=9 m=39
